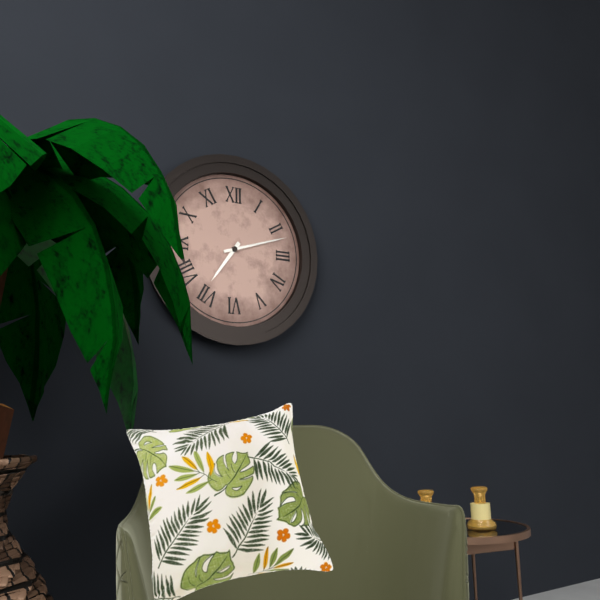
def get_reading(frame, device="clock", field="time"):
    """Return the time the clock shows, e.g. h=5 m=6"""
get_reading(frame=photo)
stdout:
h=7 m=12
